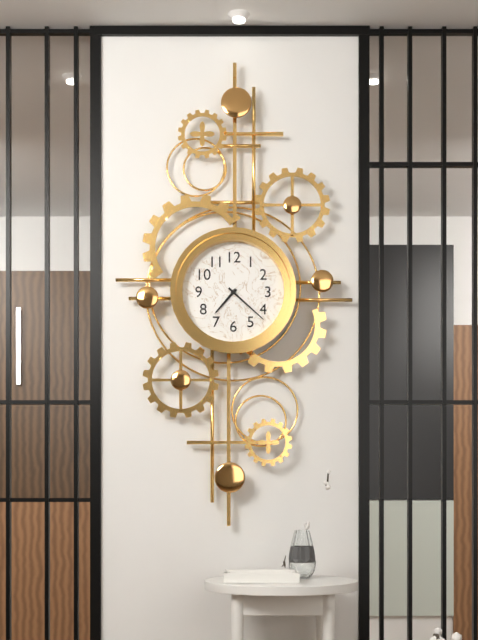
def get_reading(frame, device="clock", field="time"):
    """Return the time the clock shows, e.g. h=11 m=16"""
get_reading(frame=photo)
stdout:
h=7 m=22
